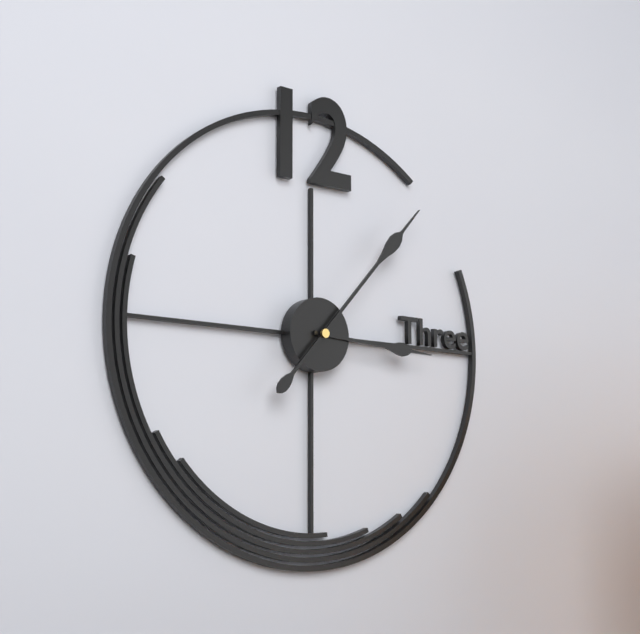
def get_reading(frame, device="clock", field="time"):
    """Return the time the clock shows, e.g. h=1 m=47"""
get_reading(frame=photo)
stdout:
h=3 m=7
